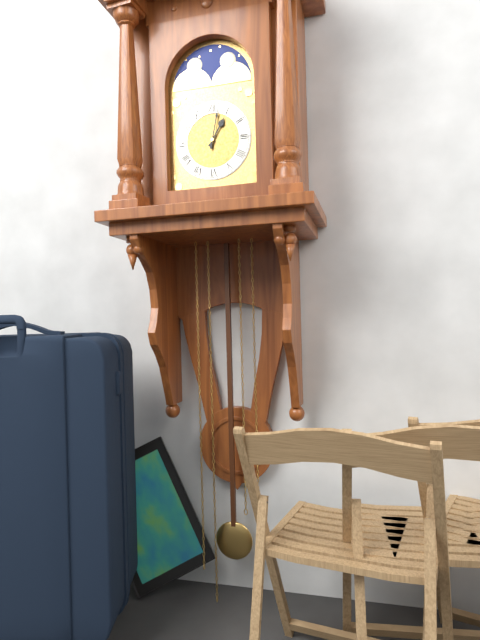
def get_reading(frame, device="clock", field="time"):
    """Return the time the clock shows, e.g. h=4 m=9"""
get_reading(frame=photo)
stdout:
h=1 m=2
